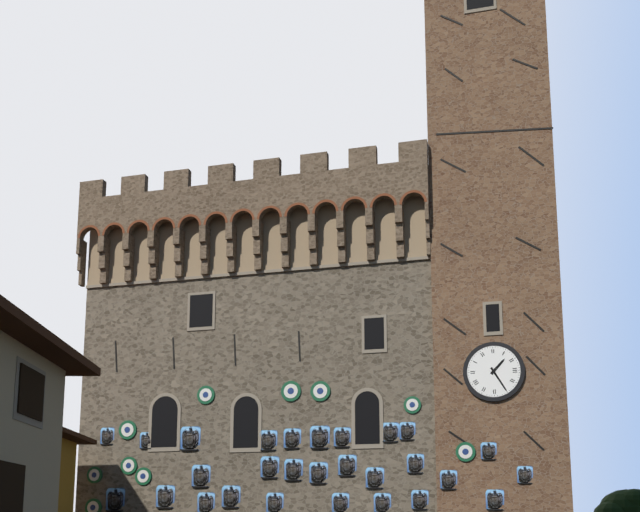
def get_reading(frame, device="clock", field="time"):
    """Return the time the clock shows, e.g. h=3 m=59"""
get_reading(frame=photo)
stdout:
h=1 m=25
